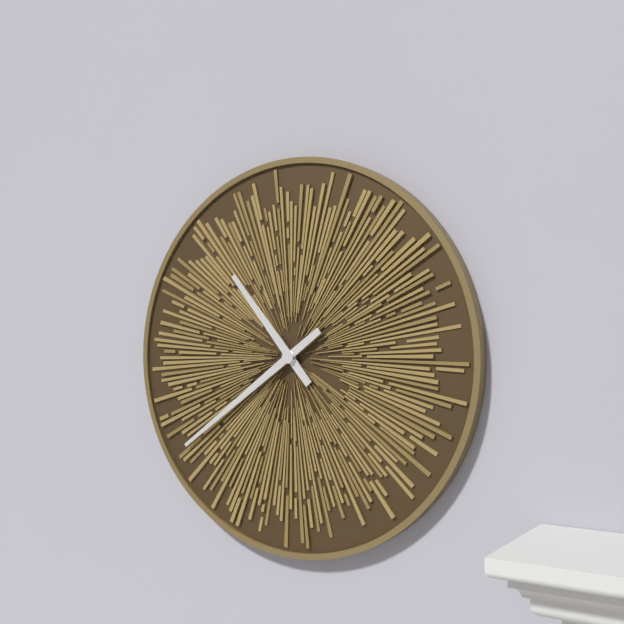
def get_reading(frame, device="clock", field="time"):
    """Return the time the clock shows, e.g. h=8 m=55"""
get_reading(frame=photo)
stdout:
h=10 m=39
